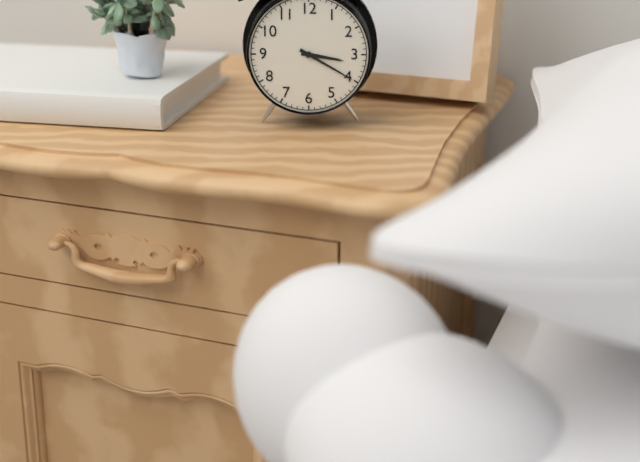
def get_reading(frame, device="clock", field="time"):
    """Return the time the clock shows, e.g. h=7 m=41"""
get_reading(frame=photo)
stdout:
h=3 m=20
